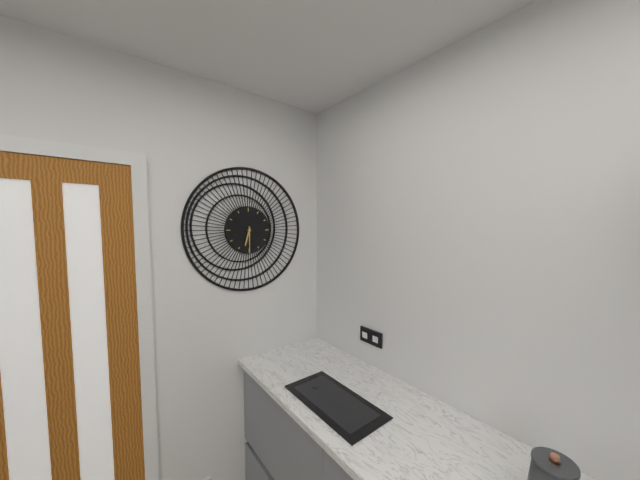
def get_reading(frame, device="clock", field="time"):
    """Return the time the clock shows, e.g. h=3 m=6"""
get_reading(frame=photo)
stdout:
h=6 m=30
